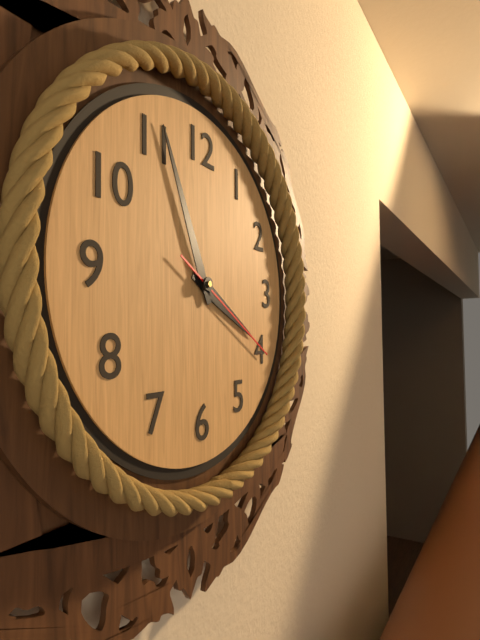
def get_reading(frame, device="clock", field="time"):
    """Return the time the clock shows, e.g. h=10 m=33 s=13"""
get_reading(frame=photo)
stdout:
h=3 m=56 s=20
